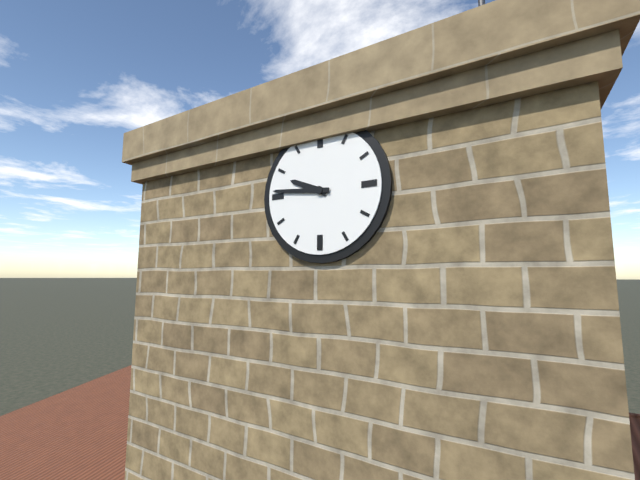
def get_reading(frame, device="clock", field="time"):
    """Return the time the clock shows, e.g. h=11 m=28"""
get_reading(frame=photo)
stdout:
h=9 m=46
